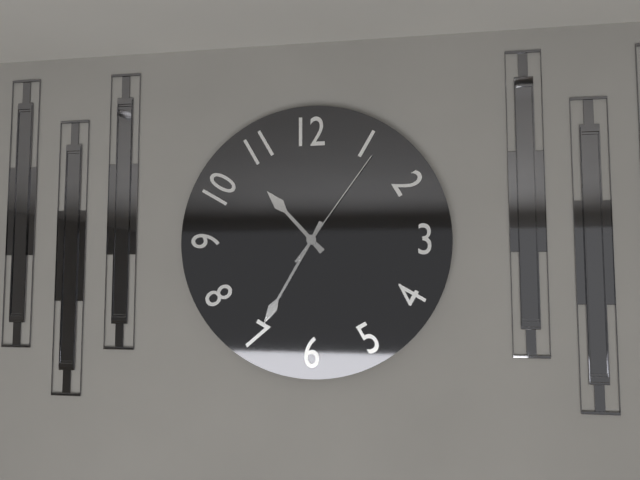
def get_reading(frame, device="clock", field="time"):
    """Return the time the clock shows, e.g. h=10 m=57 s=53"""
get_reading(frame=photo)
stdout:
h=10 m=35 s=6
